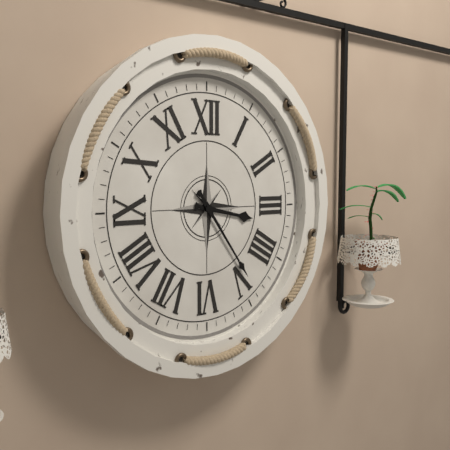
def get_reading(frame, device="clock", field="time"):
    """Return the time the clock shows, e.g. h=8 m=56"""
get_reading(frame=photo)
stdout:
h=3 m=24
